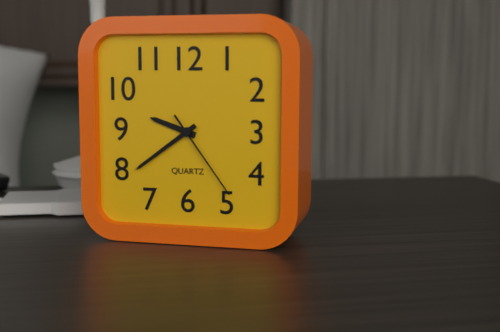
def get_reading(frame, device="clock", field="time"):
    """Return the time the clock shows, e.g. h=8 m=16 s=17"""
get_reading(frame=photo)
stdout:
h=9 m=39 s=24
